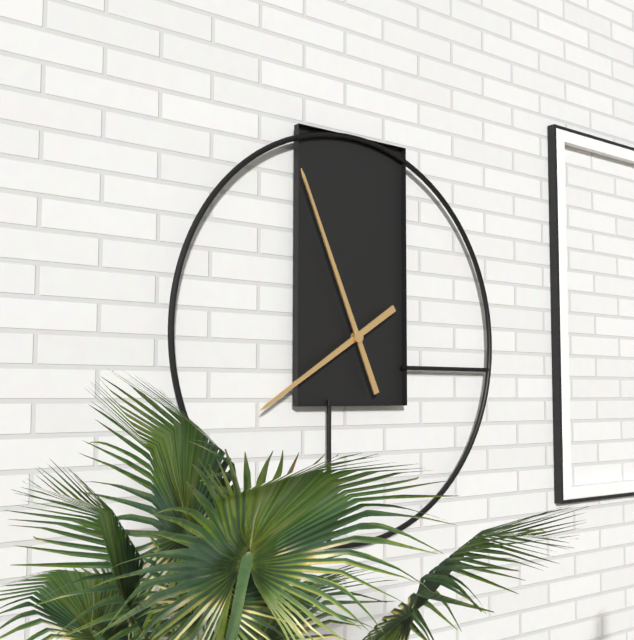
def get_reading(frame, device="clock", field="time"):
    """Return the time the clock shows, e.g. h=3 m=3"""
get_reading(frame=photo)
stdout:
h=7 m=56
